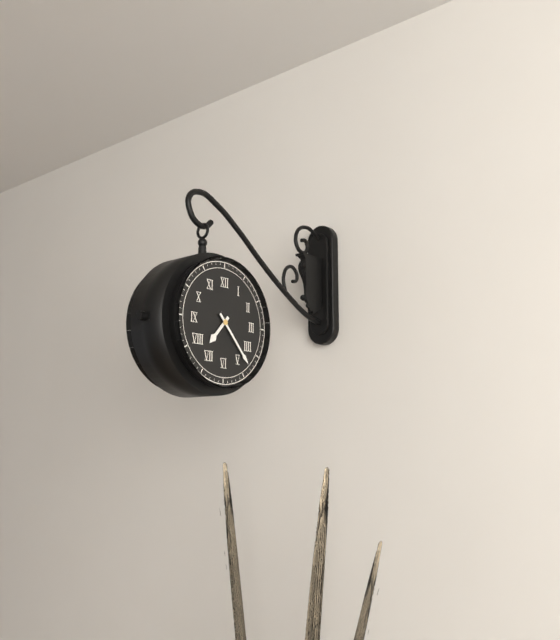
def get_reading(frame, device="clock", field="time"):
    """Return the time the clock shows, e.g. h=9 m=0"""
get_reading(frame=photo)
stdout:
h=7 m=23
